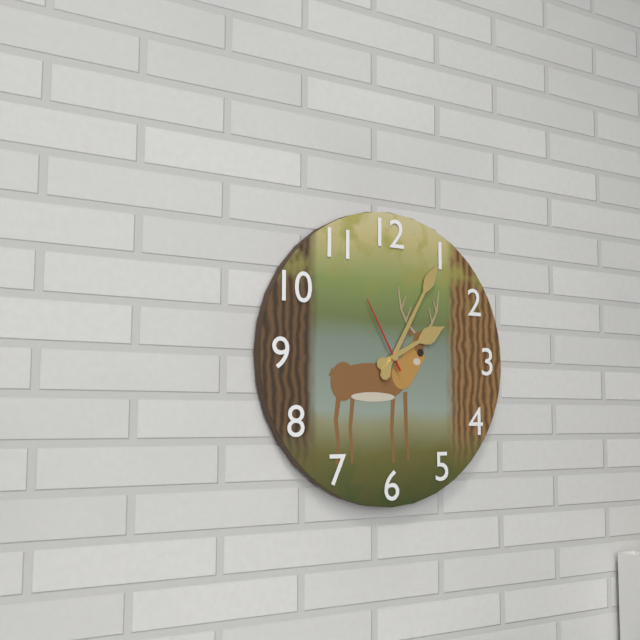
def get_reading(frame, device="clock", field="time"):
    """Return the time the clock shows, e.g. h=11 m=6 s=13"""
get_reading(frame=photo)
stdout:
h=2 m=5 s=55
